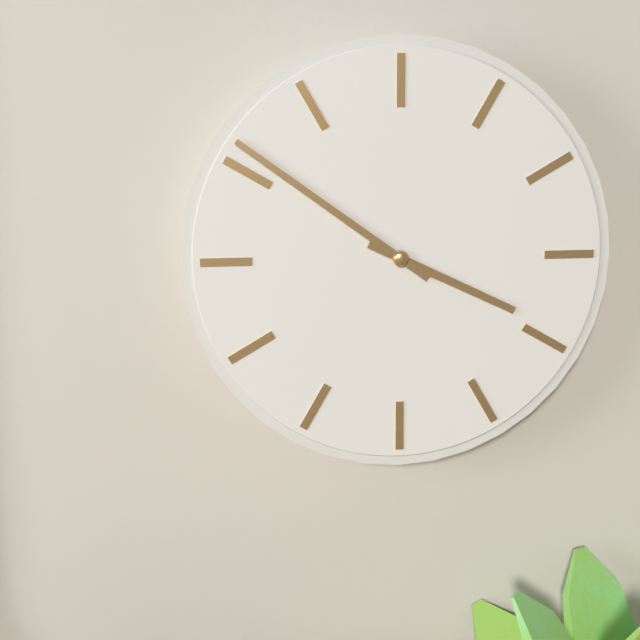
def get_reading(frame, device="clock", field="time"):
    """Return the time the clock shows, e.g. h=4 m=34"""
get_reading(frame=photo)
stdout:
h=3 m=51
